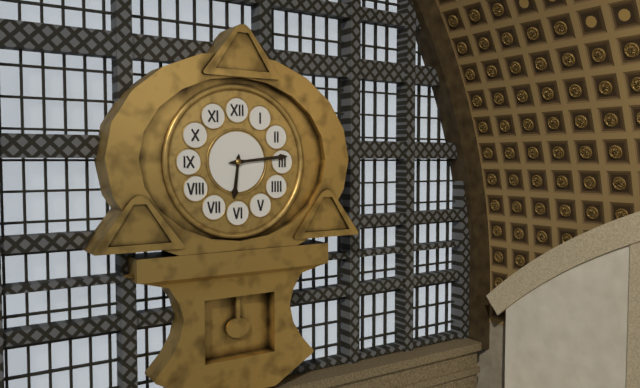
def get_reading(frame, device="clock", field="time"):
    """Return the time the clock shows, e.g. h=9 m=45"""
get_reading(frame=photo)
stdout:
h=6 m=14
